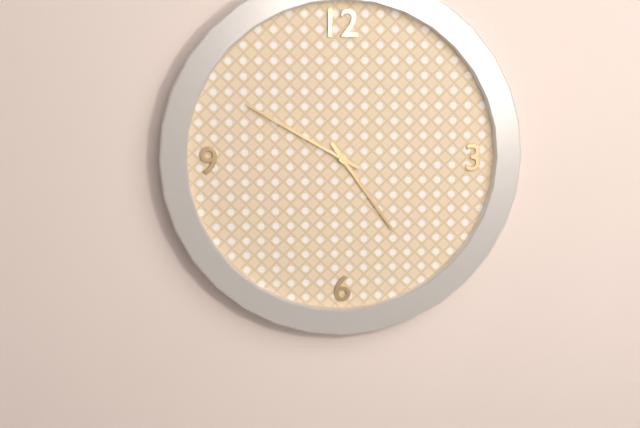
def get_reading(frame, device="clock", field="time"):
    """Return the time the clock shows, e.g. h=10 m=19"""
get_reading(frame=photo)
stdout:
h=4 m=50
